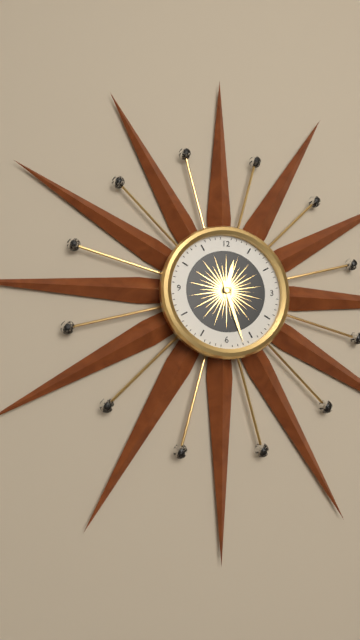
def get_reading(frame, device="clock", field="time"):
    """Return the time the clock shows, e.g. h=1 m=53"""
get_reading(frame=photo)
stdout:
h=12 m=27
